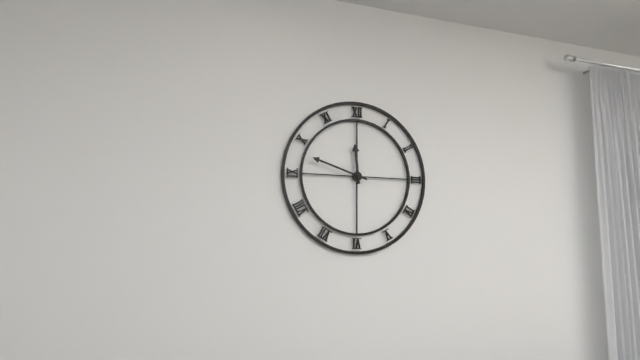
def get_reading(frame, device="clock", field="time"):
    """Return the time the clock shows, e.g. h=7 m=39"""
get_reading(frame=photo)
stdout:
h=11 m=48
